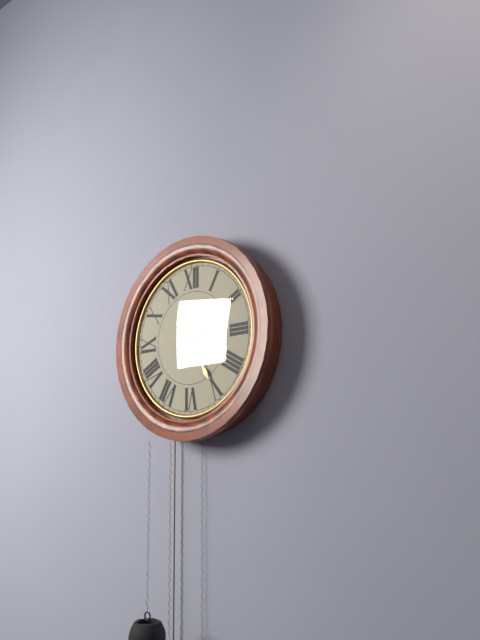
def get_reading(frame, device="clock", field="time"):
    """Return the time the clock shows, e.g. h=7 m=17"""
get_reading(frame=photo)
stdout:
h=2 m=25
